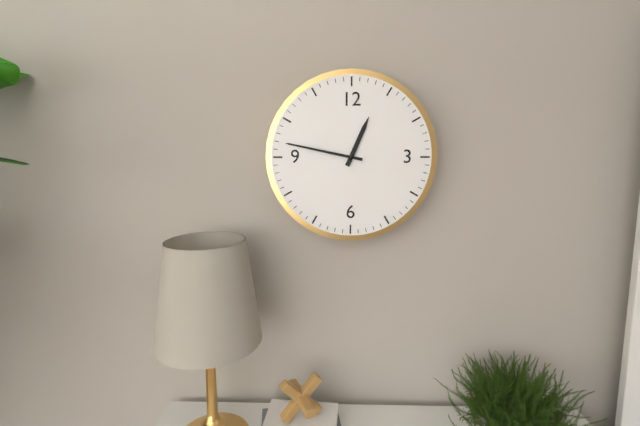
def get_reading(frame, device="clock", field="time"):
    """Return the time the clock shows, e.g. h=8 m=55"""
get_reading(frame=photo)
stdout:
h=12 m=47
